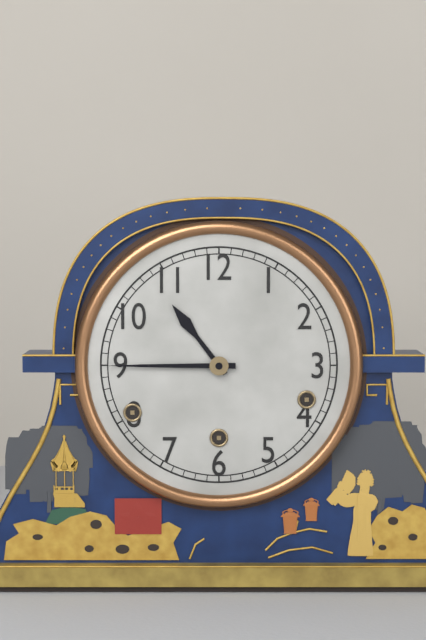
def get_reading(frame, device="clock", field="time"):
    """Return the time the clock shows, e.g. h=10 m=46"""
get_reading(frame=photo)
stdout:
h=10 m=45
